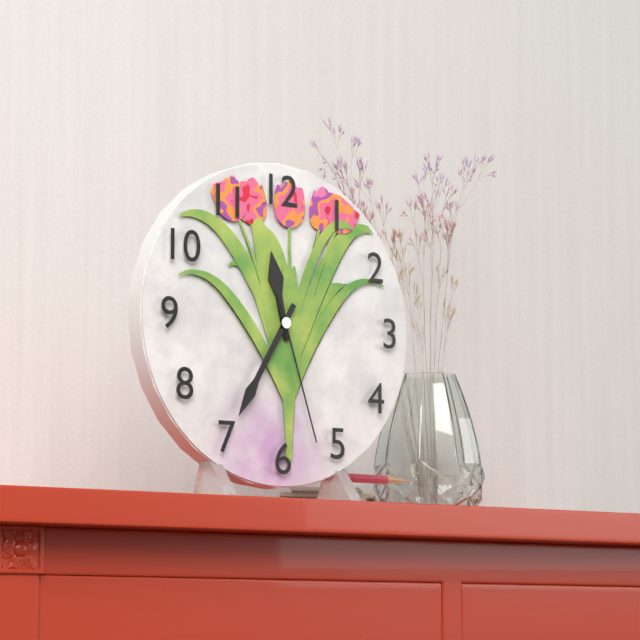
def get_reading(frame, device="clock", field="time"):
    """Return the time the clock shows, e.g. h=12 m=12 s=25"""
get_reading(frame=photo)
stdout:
h=11 m=35 s=27
